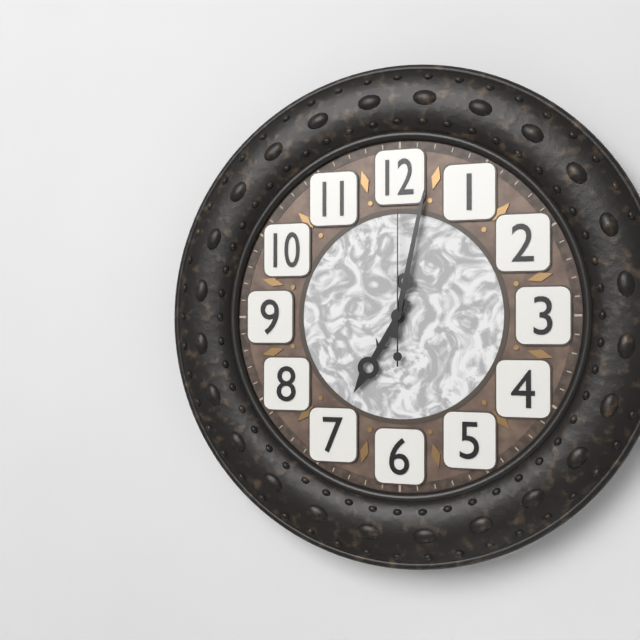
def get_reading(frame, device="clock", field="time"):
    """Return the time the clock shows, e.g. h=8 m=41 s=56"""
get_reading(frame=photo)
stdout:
h=7 m=2 s=0
